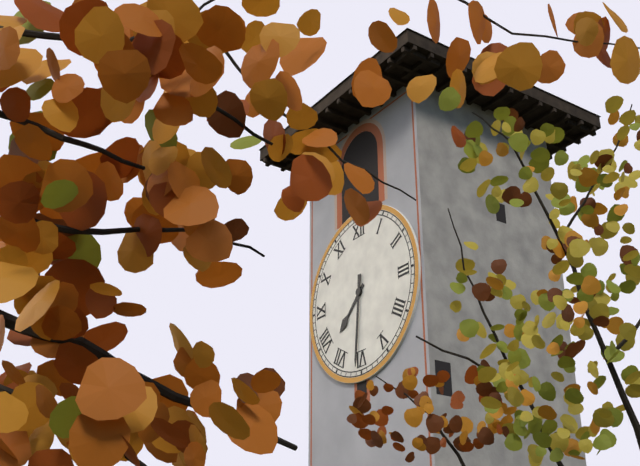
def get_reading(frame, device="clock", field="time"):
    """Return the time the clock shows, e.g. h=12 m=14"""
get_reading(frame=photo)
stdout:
h=7 m=31
